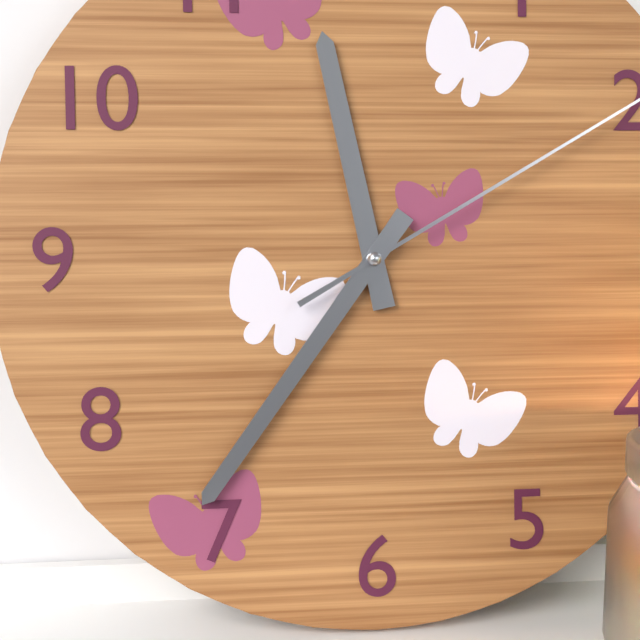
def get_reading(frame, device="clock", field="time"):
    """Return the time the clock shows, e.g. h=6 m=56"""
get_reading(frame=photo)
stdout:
h=11 m=36
